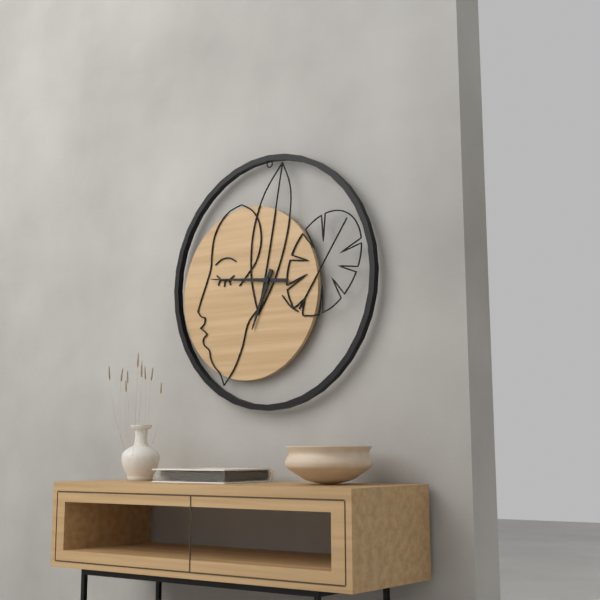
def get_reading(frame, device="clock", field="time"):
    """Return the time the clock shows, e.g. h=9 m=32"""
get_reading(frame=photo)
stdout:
h=6 m=46
